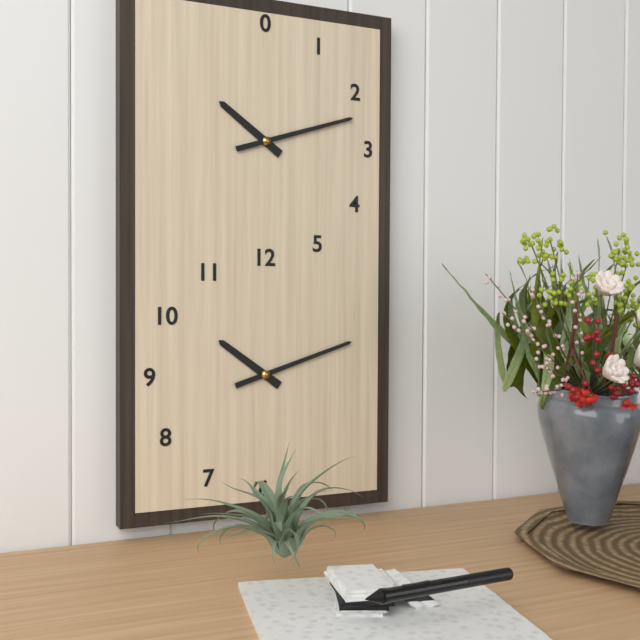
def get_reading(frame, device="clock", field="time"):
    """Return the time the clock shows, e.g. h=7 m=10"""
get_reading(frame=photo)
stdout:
h=10 m=12
